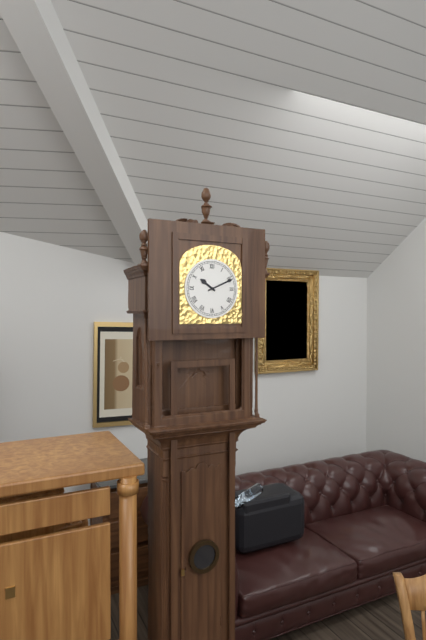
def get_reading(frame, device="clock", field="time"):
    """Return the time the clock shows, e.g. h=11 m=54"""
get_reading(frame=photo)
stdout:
h=10 m=11
